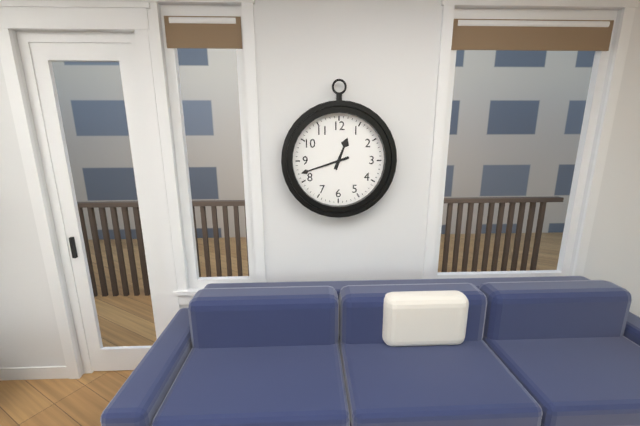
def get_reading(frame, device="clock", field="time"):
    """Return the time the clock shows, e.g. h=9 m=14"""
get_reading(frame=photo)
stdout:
h=12 m=42
